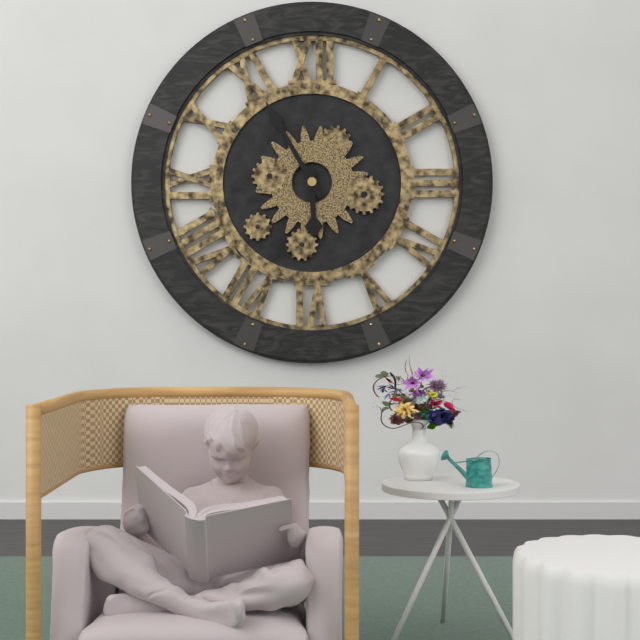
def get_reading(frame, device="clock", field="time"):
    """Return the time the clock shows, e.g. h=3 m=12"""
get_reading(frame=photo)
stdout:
h=5 m=55
